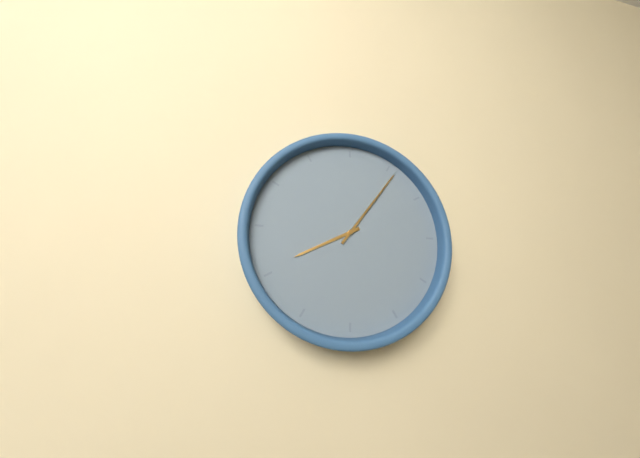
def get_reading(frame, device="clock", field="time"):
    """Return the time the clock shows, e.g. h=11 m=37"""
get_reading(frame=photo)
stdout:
h=8 m=6
